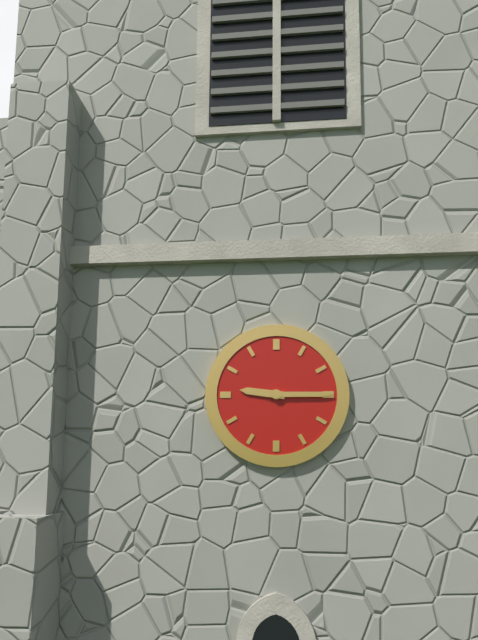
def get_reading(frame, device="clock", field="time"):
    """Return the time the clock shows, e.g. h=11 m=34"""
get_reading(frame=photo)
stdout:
h=9 m=15
